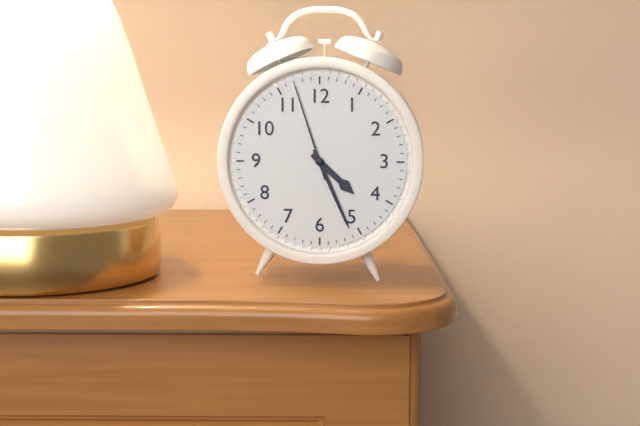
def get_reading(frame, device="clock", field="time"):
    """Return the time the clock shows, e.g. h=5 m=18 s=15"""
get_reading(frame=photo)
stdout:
h=4 m=26 s=57
